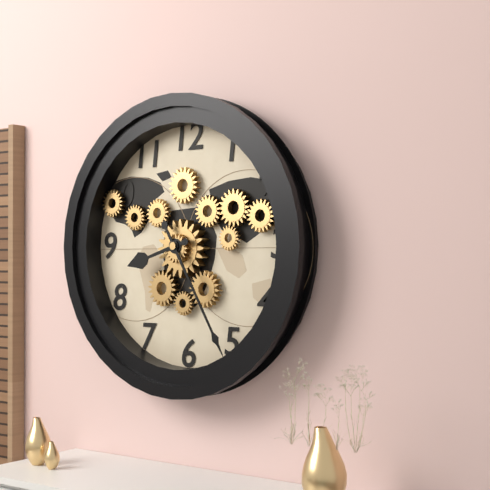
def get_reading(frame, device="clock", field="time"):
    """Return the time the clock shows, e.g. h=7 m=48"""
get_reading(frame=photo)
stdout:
h=8 m=25
